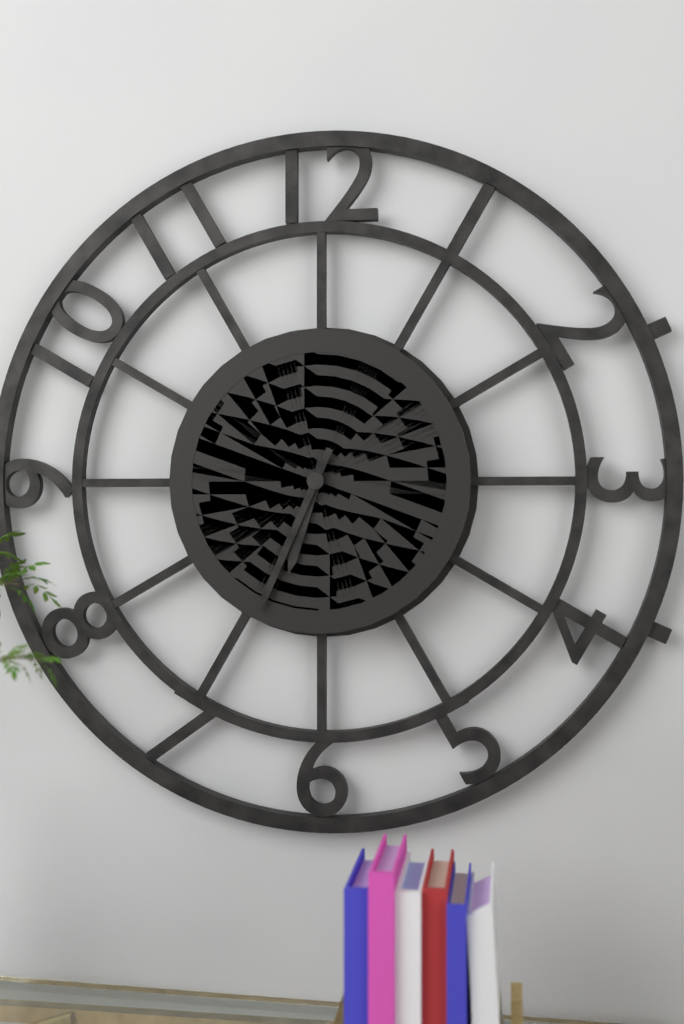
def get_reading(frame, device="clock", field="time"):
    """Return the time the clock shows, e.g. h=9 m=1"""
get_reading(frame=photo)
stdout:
h=6 m=34
